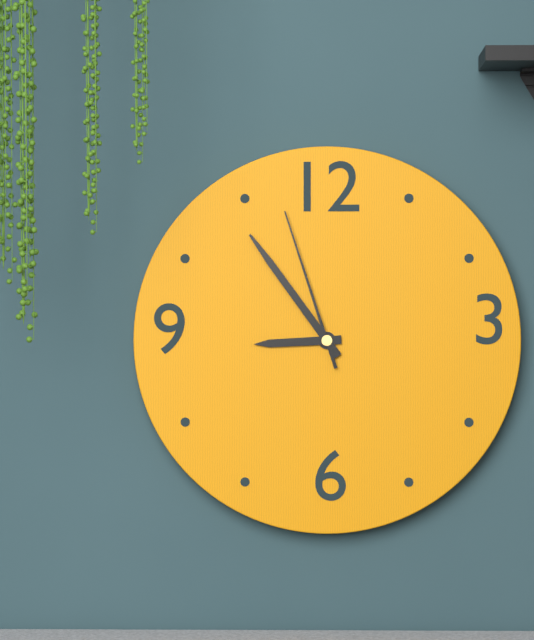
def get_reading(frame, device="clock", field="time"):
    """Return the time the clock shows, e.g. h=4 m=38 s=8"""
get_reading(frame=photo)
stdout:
h=8 m=54 s=57
